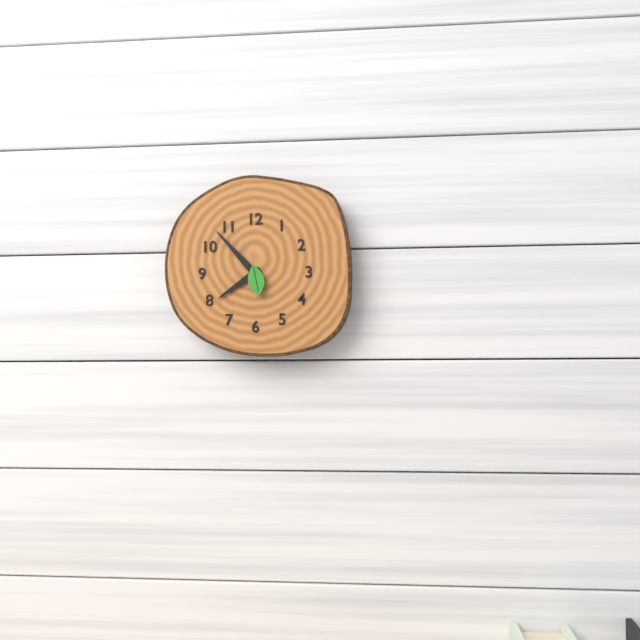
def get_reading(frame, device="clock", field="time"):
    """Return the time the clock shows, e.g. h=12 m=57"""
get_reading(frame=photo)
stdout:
h=7 m=53
